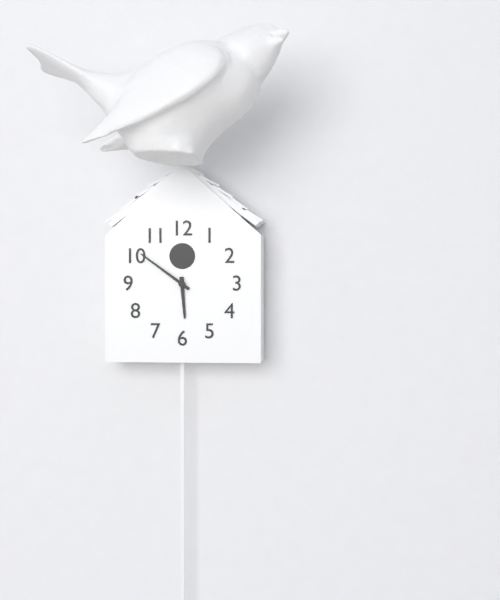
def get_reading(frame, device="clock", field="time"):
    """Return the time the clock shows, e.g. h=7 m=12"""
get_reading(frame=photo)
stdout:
h=5 m=51
